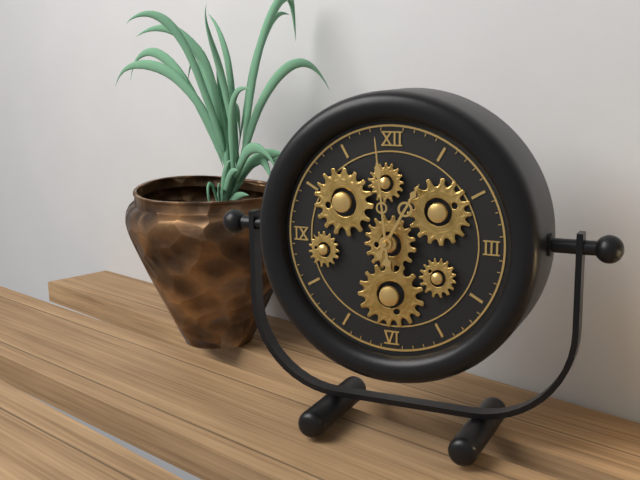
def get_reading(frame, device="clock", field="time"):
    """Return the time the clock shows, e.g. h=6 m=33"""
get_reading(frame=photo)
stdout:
h=12 m=59
